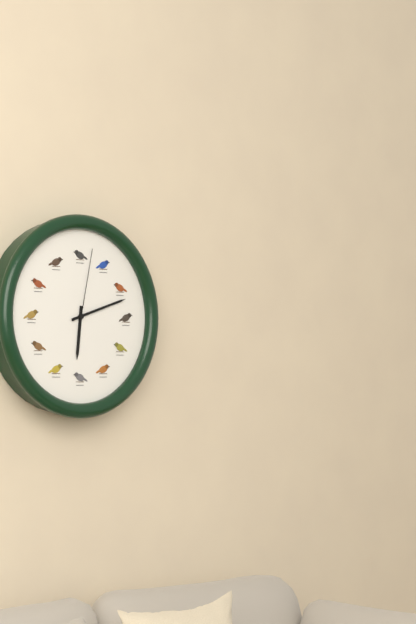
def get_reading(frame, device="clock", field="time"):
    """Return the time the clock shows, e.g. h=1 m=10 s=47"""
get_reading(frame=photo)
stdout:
h=6 m=12 s=2
